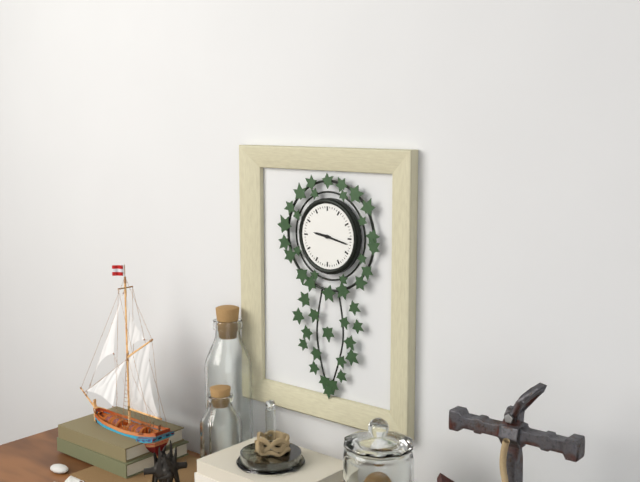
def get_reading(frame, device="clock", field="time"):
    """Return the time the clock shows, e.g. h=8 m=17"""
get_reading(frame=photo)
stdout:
h=9 m=17
